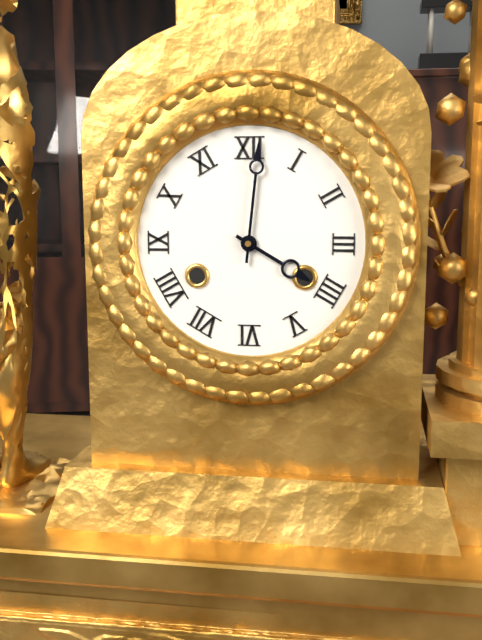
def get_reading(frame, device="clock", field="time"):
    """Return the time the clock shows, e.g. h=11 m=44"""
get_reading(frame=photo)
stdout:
h=4 m=1
